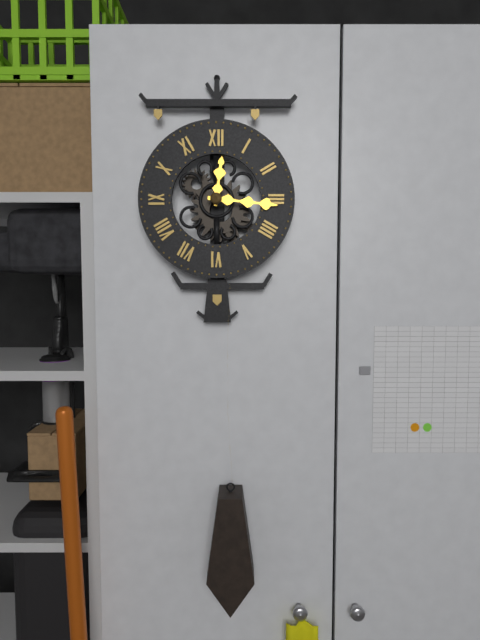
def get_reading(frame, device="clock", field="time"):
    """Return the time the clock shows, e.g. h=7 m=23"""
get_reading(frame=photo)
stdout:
h=12 m=16
